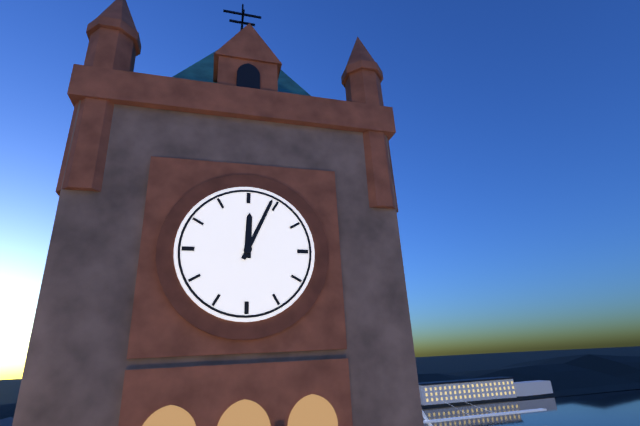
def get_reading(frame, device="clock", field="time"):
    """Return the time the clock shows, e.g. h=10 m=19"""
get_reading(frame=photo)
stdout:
h=12 m=4
